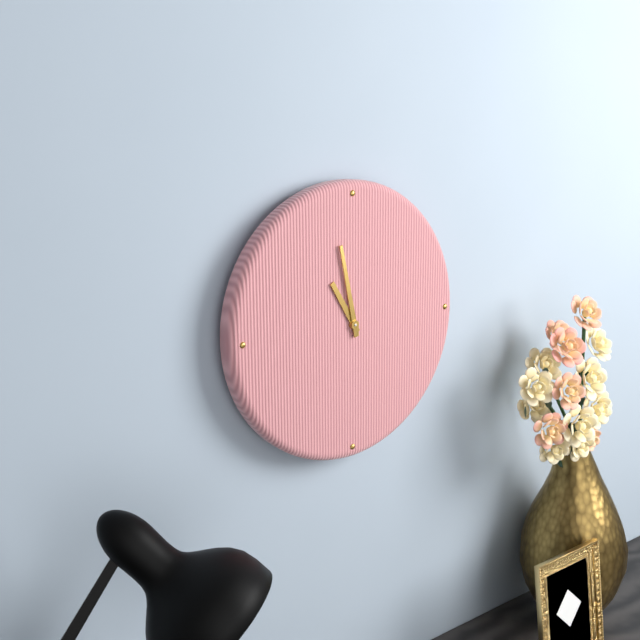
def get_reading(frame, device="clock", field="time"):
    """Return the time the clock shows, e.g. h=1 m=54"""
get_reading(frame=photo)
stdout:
h=10 m=58
